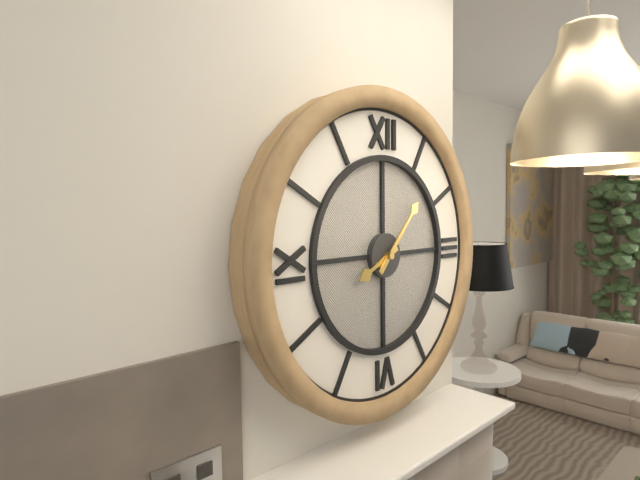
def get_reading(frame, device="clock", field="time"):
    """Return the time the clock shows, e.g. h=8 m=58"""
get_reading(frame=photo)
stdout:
h=8 m=7
